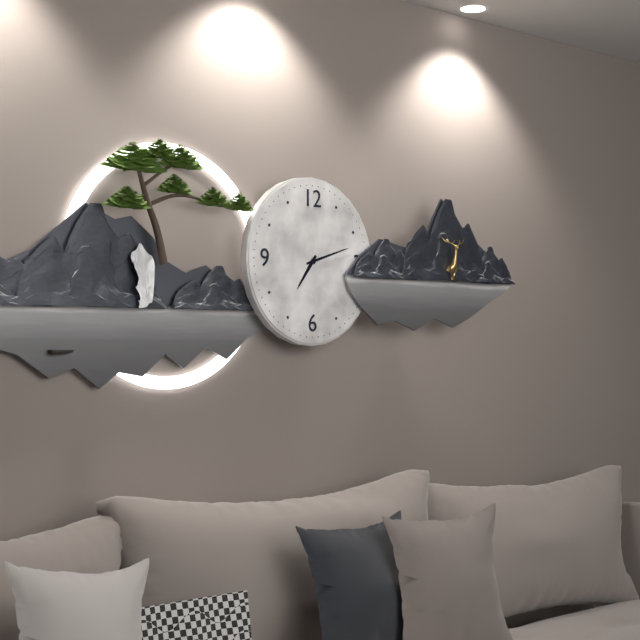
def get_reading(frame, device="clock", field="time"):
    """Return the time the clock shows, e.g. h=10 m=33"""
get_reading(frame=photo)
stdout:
h=7 m=12
